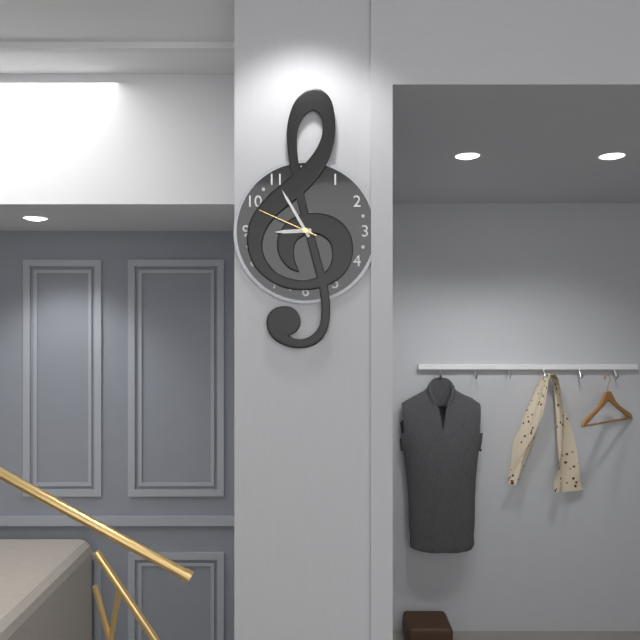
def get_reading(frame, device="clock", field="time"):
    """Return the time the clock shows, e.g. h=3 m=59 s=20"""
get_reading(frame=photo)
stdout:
h=8 m=55 s=49
